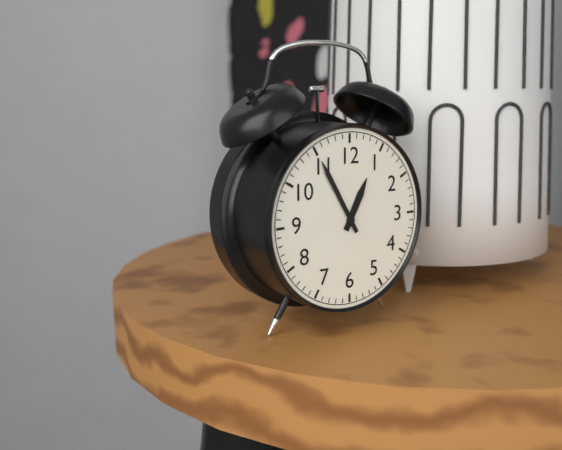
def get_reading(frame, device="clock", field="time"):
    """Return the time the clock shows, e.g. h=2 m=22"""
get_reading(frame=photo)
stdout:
h=12 m=55
